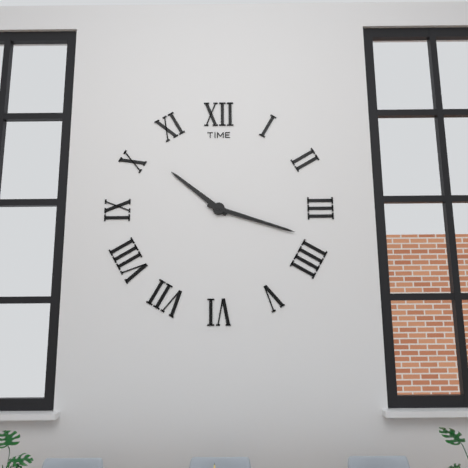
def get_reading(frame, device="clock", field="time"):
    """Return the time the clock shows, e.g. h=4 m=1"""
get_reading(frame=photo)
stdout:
h=10 m=18
